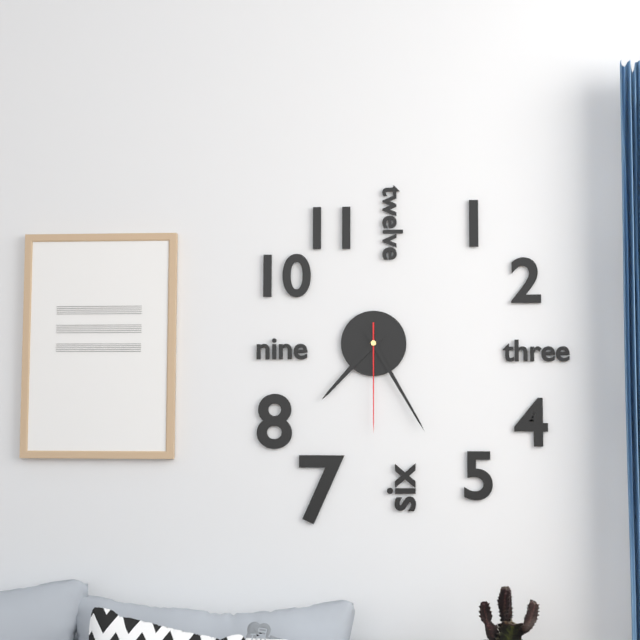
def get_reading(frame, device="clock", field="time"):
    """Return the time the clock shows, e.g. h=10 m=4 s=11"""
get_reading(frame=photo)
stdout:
h=7 m=25 s=30
